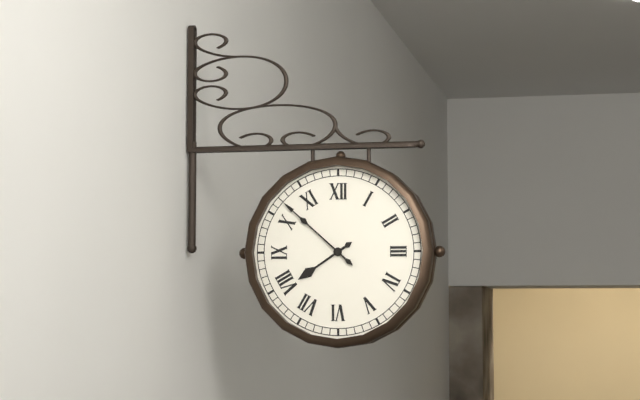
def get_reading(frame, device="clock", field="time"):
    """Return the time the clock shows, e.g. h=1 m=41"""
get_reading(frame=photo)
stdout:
h=7 m=52
